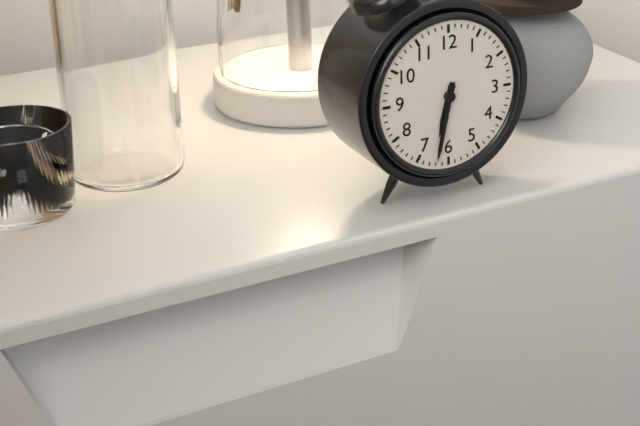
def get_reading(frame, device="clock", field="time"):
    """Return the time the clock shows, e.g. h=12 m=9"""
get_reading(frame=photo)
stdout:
h=6 m=32
